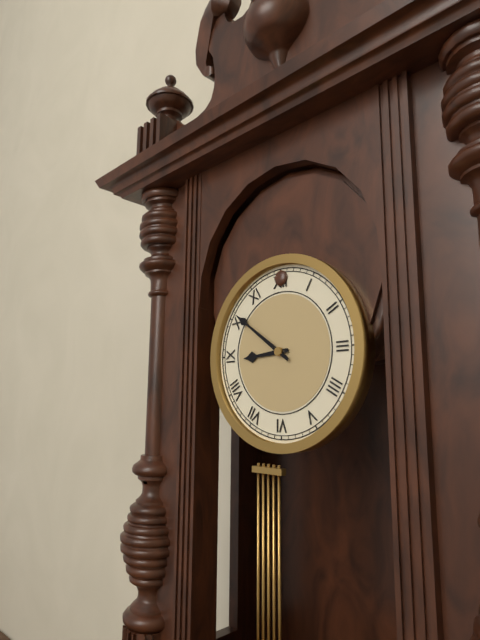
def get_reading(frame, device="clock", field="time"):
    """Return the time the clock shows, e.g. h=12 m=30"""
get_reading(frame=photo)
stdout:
h=8 m=51
